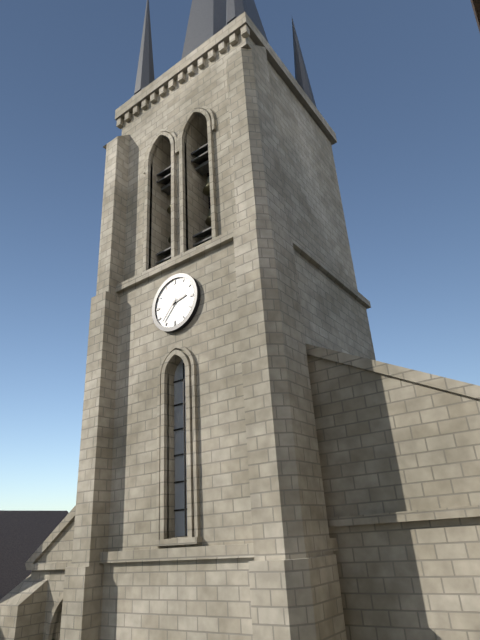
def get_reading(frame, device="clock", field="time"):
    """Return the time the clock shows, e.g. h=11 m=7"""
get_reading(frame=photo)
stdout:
h=2 m=37
